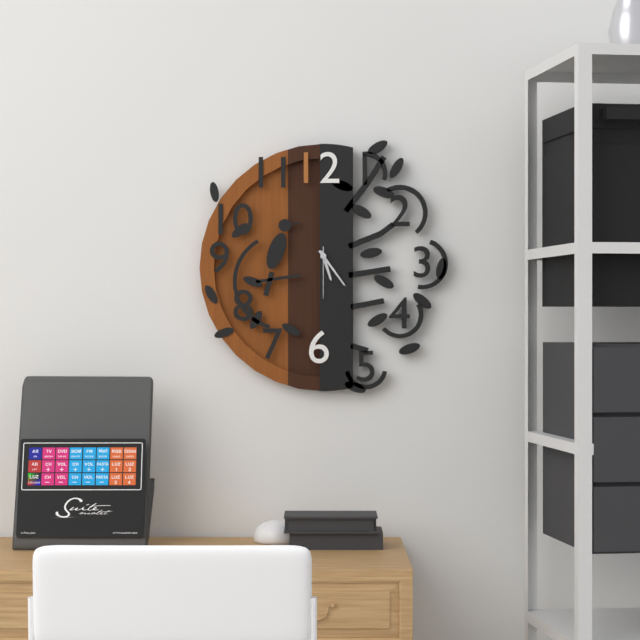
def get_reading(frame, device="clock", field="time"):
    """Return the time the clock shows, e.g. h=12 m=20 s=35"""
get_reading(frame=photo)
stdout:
h=5 m=24 s=30
